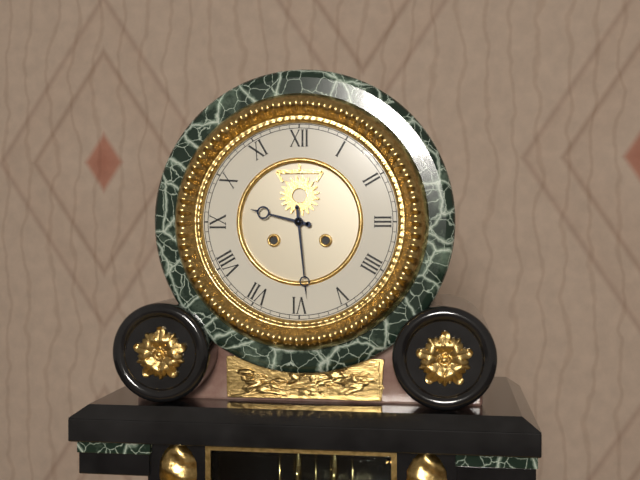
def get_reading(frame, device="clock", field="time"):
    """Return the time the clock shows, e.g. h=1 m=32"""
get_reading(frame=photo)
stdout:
h=9 m=29
